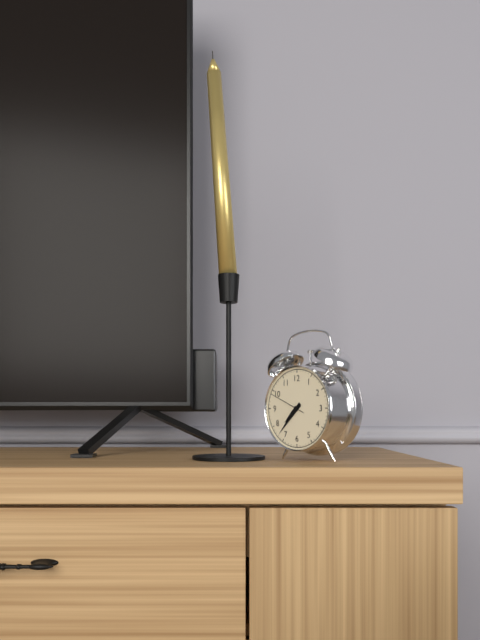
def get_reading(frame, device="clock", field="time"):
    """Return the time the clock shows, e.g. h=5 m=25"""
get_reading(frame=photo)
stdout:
h=7 m=37
